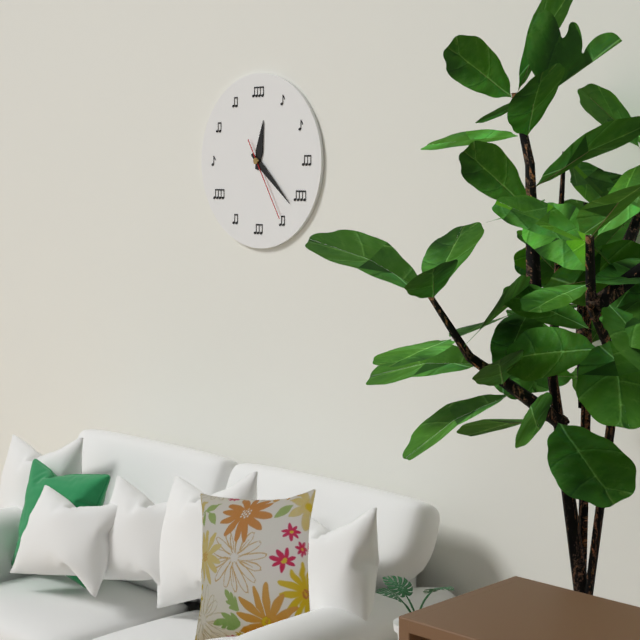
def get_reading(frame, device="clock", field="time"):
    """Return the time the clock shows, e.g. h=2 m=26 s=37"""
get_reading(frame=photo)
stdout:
h=12 m=22 s=25
